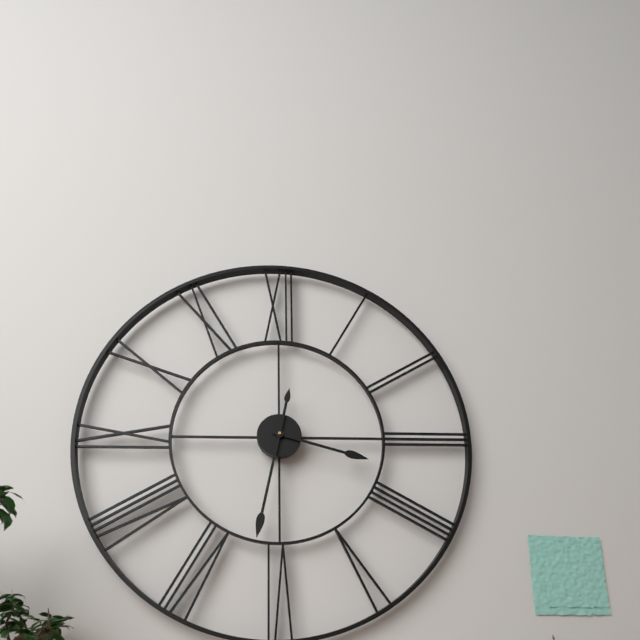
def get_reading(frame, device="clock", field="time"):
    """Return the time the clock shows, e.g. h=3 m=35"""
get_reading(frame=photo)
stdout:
h=3 m=32
